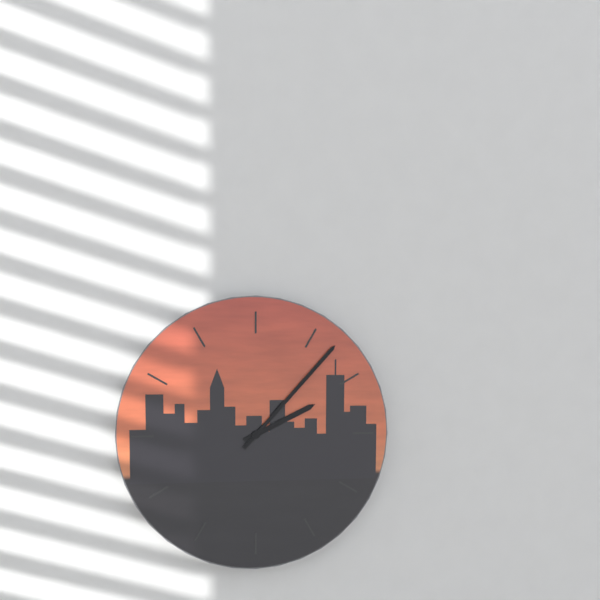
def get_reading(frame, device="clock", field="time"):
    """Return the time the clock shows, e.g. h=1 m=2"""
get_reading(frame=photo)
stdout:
h=2 m=7
